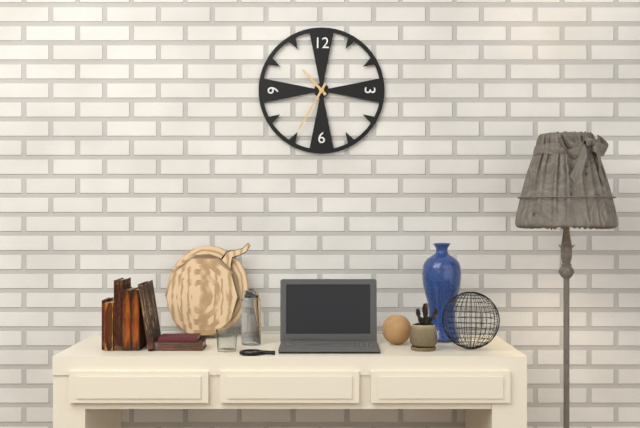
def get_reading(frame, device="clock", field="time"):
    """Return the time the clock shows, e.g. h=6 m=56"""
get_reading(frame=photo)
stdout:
h=10 m=35
